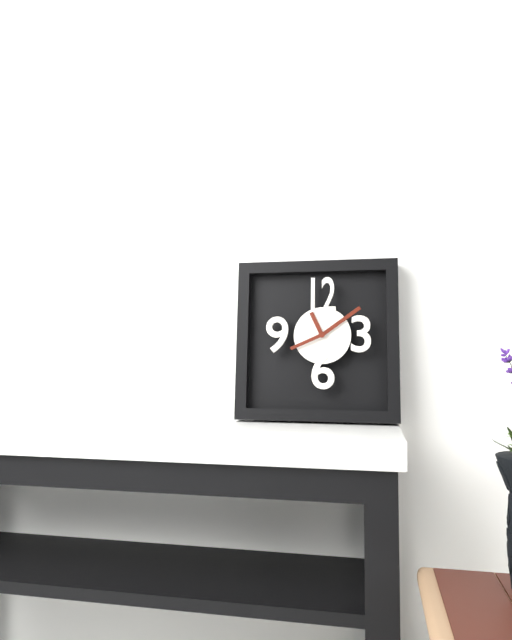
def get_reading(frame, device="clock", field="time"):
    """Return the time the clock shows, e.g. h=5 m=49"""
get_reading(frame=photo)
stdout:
h=11 m=9
